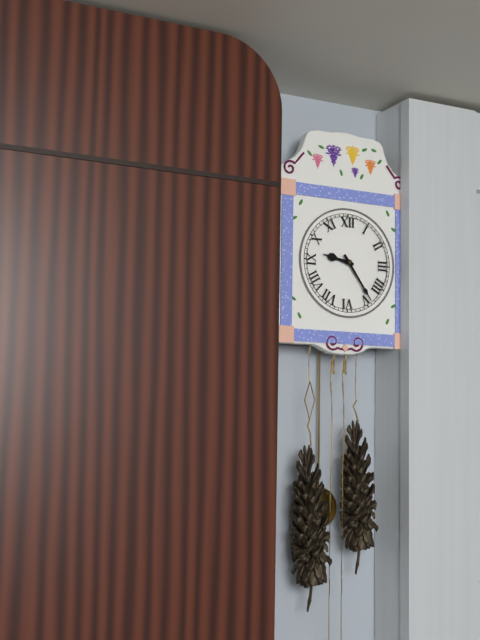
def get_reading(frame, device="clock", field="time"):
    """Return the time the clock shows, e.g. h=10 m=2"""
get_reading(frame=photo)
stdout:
h=9 m=24
